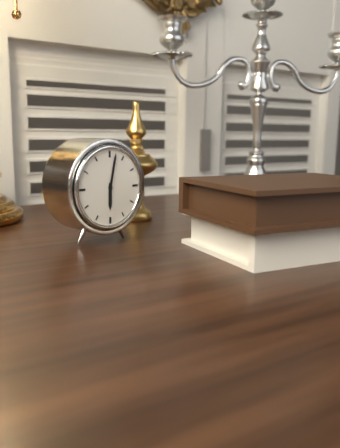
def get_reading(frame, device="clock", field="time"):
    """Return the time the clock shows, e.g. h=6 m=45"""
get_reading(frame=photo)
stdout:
h=6 m=2
